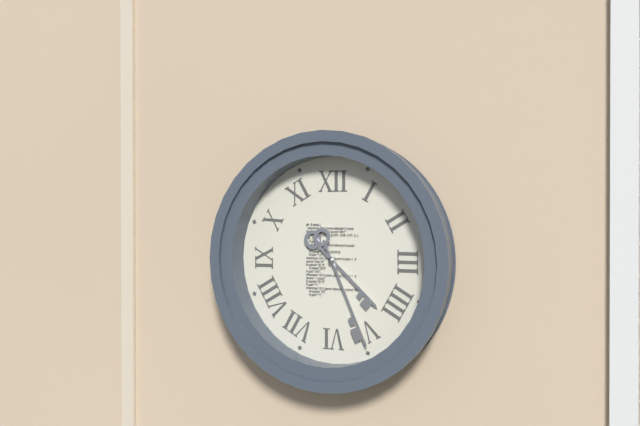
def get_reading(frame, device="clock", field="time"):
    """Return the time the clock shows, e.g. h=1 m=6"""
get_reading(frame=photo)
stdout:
h=4 m=26
